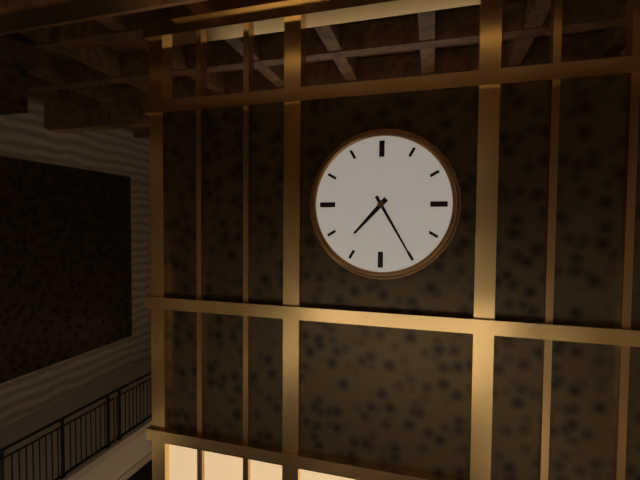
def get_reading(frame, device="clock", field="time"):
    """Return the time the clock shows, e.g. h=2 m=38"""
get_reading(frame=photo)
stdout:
h=7 m=25
